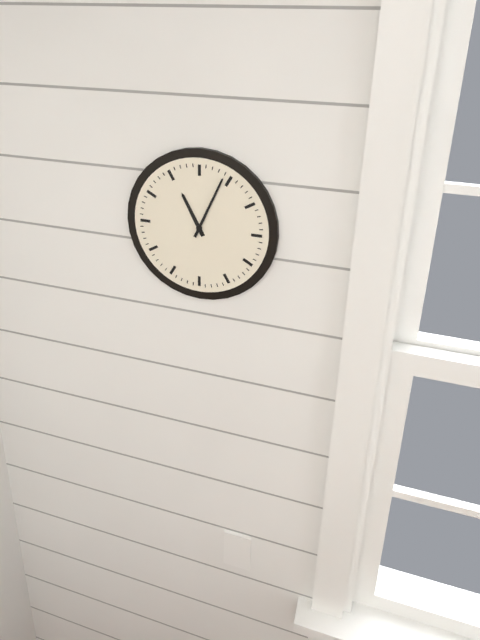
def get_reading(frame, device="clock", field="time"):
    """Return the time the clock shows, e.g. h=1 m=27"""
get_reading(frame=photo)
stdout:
h=11 m=4
